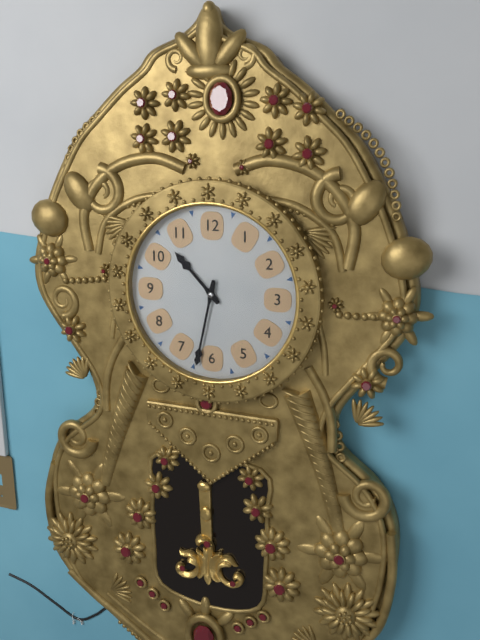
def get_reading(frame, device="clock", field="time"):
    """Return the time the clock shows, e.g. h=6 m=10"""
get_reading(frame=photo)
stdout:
h=10 m=32
